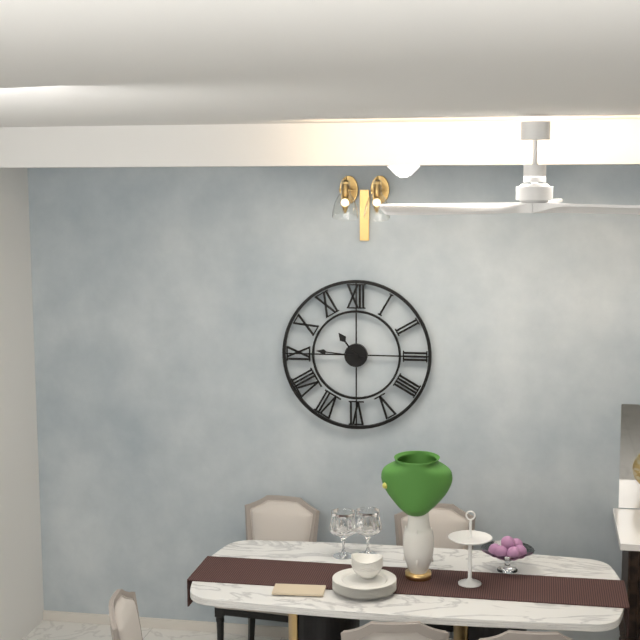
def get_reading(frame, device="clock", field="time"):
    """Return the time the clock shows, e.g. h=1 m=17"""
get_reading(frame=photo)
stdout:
h=10 m=46
